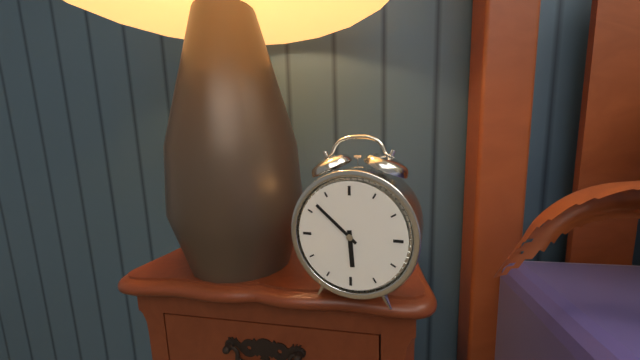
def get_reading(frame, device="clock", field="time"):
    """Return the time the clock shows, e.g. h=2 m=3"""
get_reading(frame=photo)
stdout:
h=5 m=52
